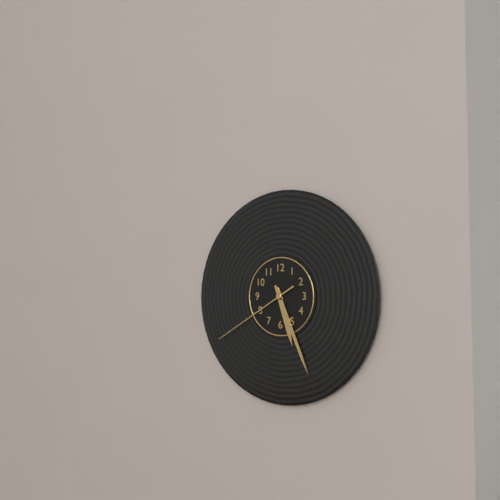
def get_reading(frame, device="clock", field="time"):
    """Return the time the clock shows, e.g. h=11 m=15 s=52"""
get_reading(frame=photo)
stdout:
h=5 m=26 s=40
